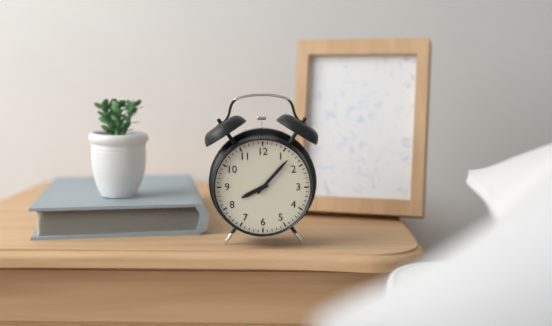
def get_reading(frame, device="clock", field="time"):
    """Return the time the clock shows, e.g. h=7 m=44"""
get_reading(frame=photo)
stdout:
h=8 m=7
